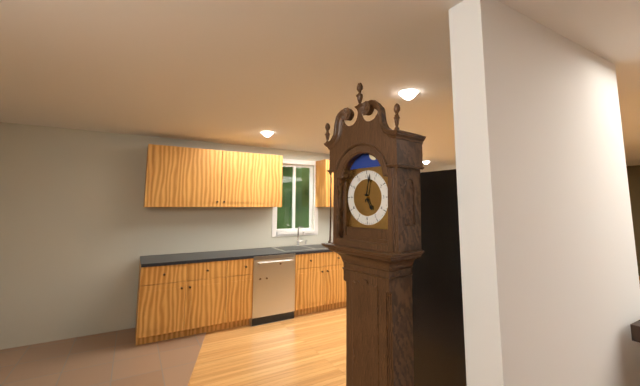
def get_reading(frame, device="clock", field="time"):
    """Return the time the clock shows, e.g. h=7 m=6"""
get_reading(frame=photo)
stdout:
h=5 m=2
